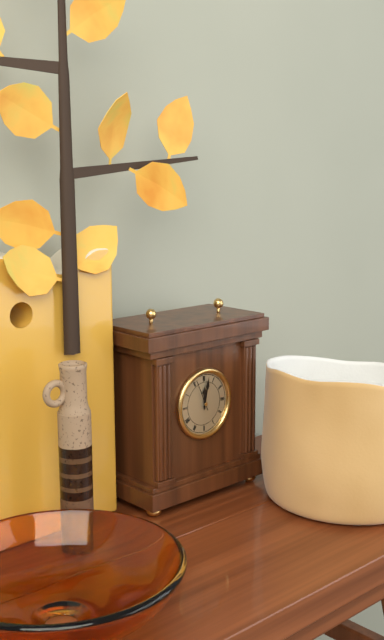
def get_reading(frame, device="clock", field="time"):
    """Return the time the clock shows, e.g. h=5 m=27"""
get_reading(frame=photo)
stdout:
h=12 m=2
